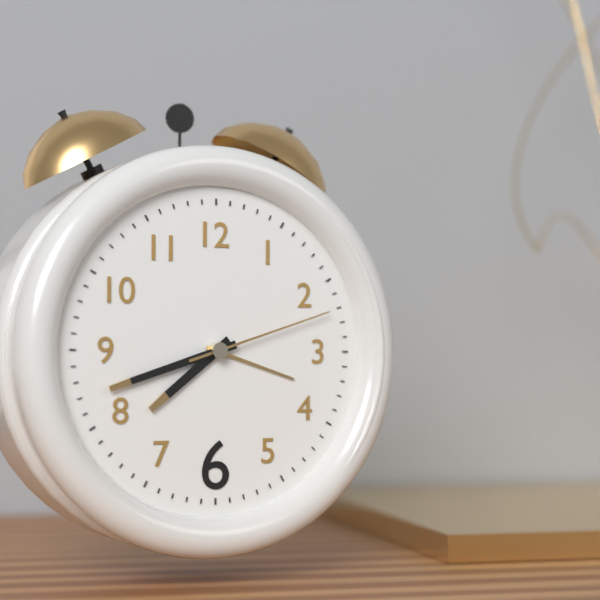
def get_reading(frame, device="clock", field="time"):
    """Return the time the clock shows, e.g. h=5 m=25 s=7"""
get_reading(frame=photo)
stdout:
h=7 m=42 s=12
